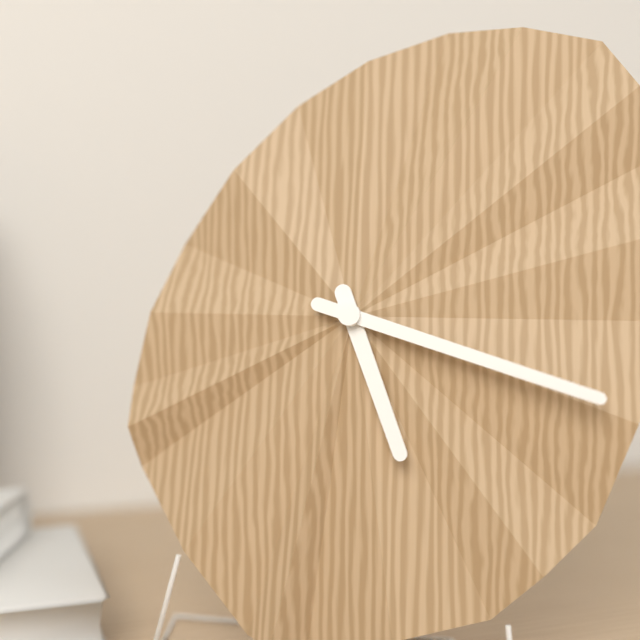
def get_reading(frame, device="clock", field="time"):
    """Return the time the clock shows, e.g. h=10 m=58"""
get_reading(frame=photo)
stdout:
h=5 m=18
